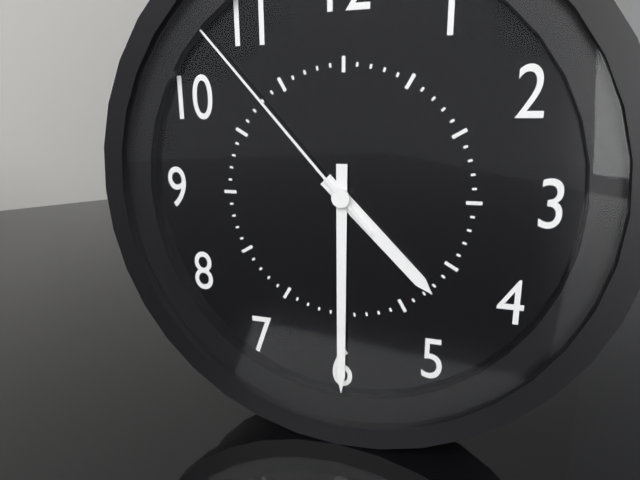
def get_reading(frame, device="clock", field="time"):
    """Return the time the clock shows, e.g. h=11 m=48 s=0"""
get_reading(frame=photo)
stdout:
h=4 m=30 s=53
